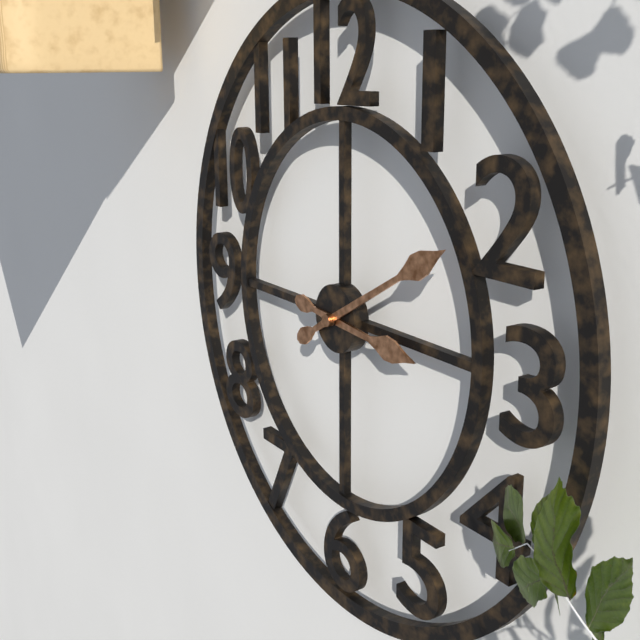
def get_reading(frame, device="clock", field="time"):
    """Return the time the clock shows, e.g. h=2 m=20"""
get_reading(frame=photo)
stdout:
h=3 m=10
